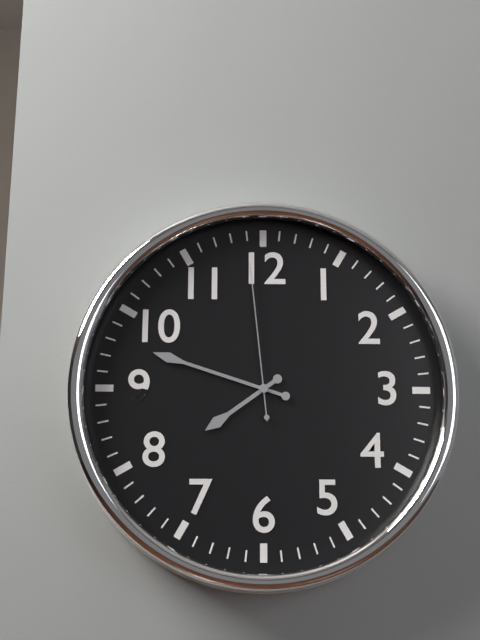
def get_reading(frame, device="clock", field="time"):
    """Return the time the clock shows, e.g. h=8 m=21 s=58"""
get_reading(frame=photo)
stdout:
h=7 m=48 s=59
